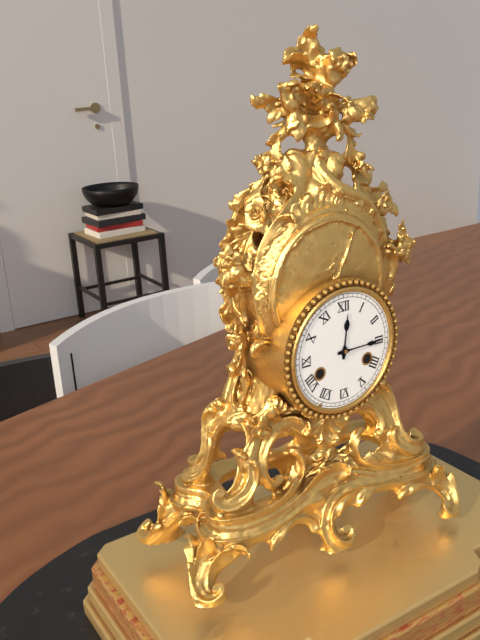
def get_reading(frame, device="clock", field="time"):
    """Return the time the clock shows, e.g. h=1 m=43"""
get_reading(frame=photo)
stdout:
h=12 m=15
